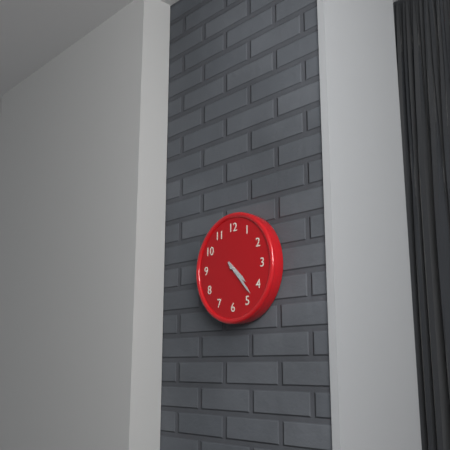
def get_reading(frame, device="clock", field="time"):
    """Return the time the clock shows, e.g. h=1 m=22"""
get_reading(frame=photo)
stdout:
h=4 m=23
